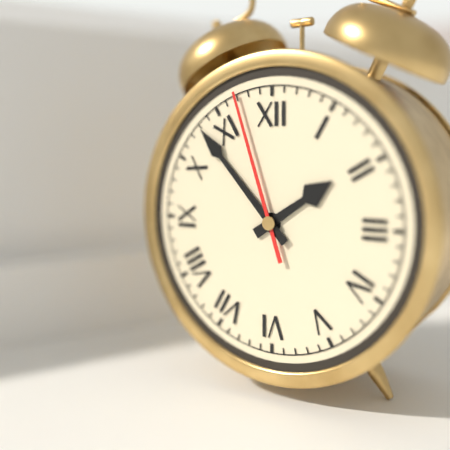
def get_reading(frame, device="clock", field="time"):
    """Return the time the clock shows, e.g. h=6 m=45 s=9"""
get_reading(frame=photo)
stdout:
h=1 m=53 s=57
